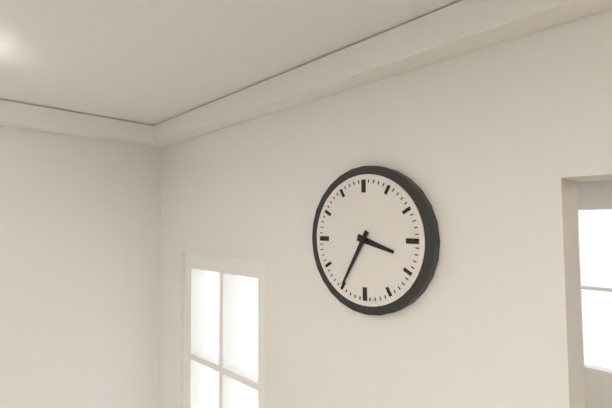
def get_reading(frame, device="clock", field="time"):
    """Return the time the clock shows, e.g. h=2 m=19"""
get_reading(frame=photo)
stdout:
h=3 m=35
